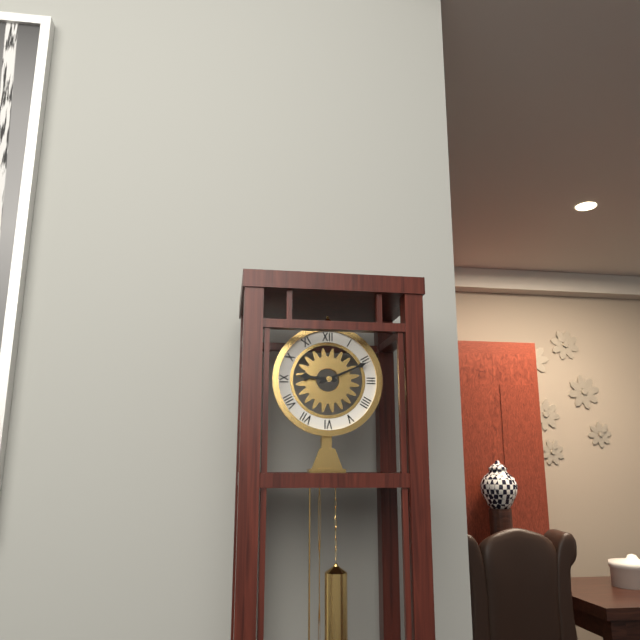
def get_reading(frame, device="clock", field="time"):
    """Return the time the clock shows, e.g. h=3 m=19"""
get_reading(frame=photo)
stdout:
h=9 m=11
